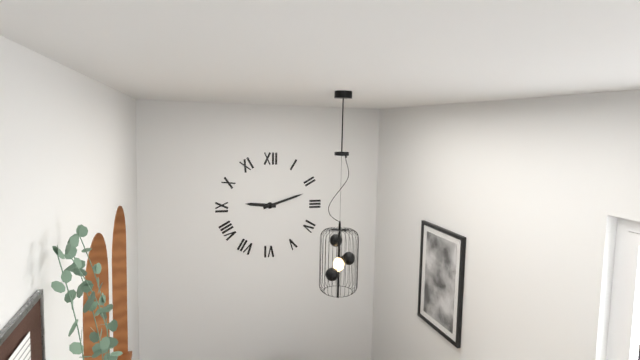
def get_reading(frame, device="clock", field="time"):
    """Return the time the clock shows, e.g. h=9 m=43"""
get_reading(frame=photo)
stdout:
h=9 m=12
